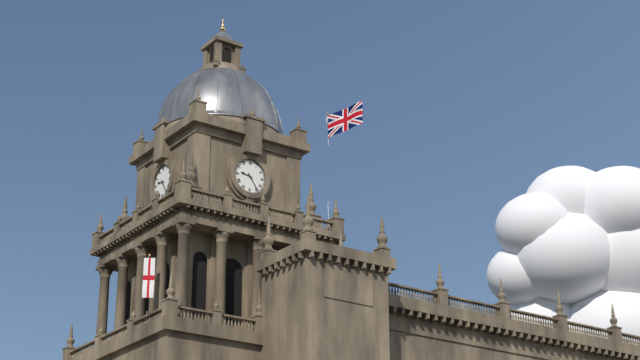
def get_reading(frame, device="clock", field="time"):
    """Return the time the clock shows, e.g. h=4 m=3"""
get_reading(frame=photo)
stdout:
h=9 m=24
